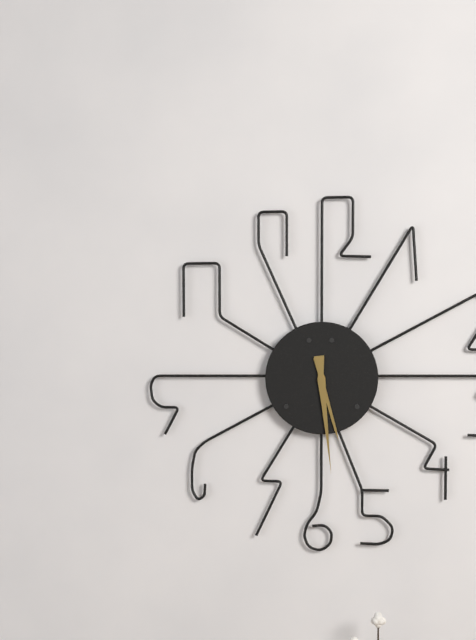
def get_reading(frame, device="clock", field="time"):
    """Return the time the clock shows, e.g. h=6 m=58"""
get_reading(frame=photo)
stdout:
h=5 m=29
